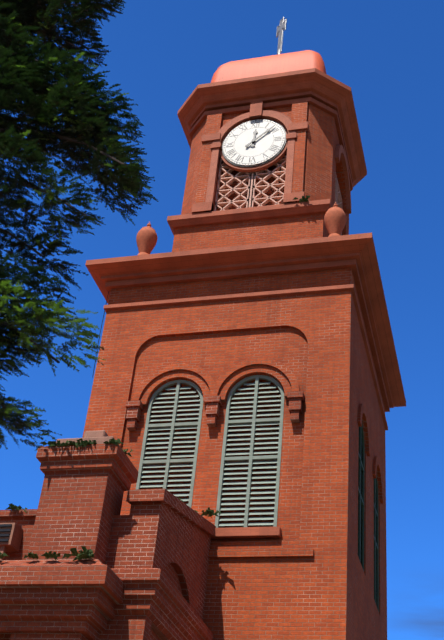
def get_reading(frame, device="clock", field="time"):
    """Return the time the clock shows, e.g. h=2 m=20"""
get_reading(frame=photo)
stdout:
h=12 m=8
